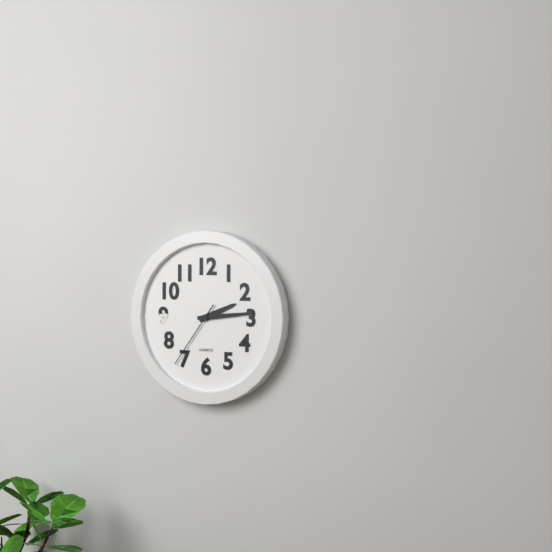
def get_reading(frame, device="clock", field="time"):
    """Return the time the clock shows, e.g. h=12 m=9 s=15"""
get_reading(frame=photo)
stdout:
h=2 m=14 s=36
